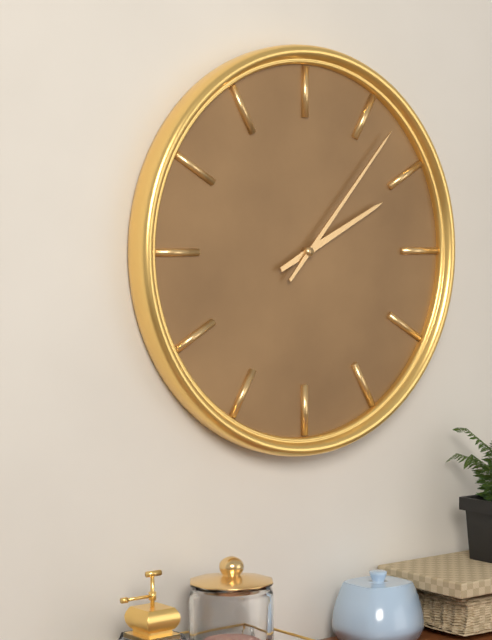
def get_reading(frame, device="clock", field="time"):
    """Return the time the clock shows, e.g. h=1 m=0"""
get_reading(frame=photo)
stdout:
h=2 m=7
